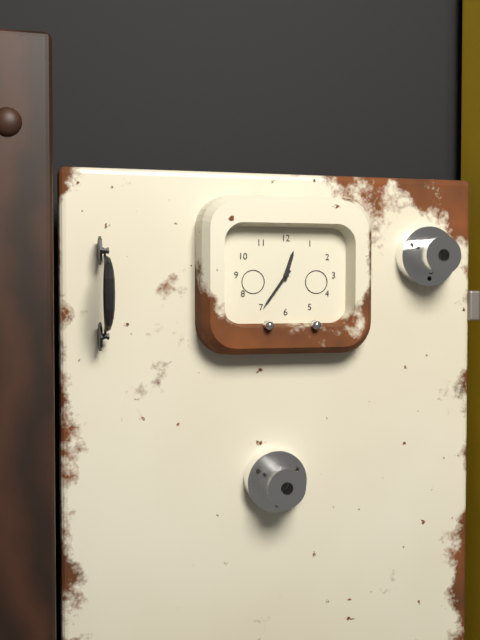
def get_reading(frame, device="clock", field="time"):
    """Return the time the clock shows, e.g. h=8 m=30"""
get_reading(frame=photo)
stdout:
h=12 m=36
